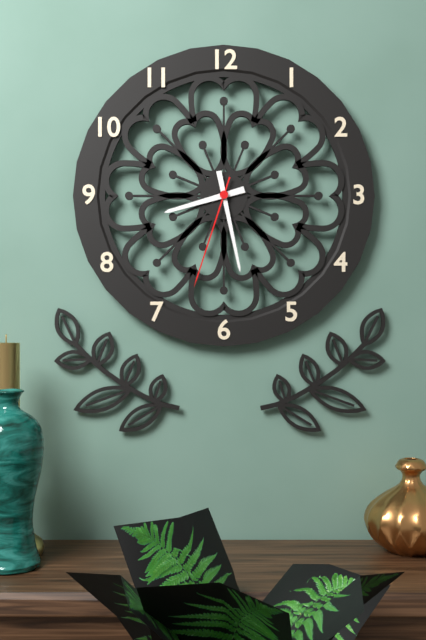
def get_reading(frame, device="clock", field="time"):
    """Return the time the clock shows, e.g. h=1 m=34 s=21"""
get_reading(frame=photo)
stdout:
h=8 m=28 s=33
